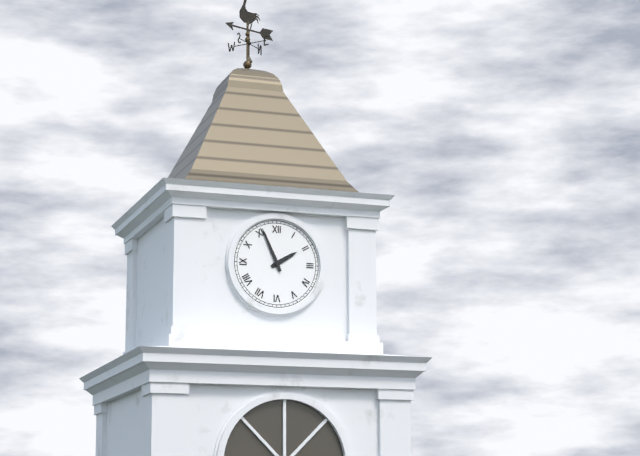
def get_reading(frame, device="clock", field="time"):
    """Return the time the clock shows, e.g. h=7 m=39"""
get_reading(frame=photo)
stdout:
h=1 m=56
